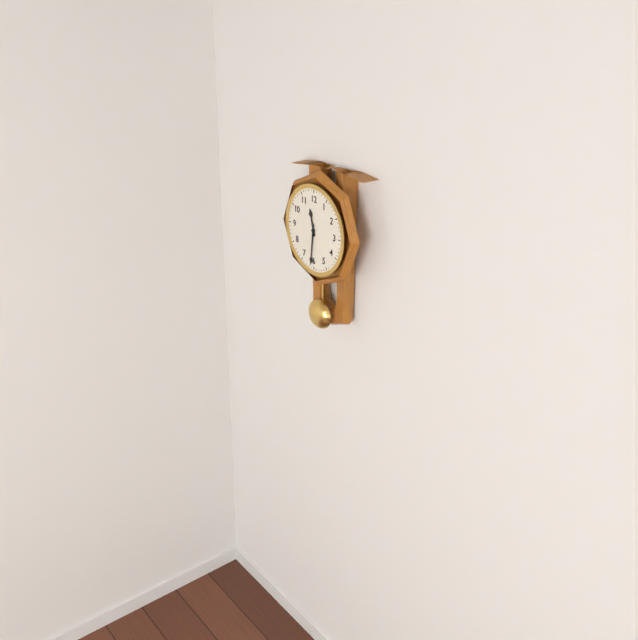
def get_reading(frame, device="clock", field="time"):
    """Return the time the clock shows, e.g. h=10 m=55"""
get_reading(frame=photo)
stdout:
h=11 m=31
